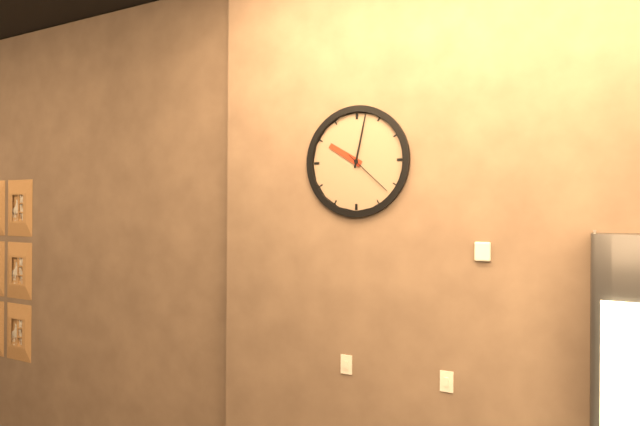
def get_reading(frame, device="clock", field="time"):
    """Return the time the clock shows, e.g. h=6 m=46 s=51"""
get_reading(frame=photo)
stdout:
h=10 m=2 s=22
